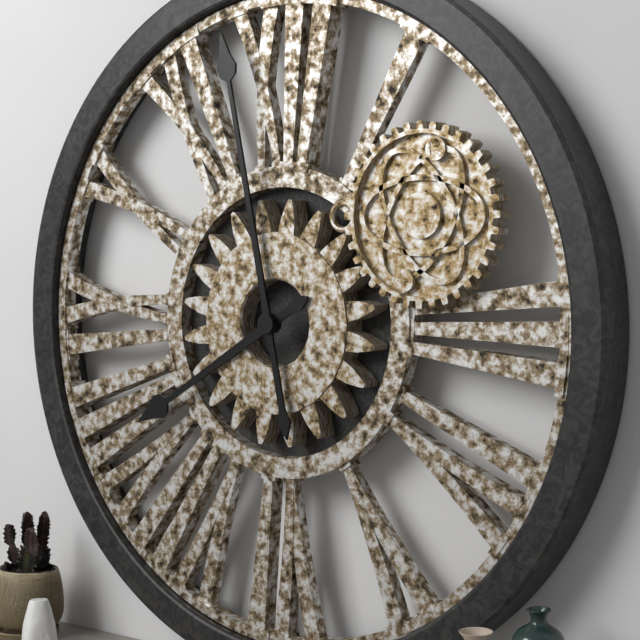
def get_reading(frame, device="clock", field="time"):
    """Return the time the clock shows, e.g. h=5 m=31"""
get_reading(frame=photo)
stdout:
h=7 m=58
